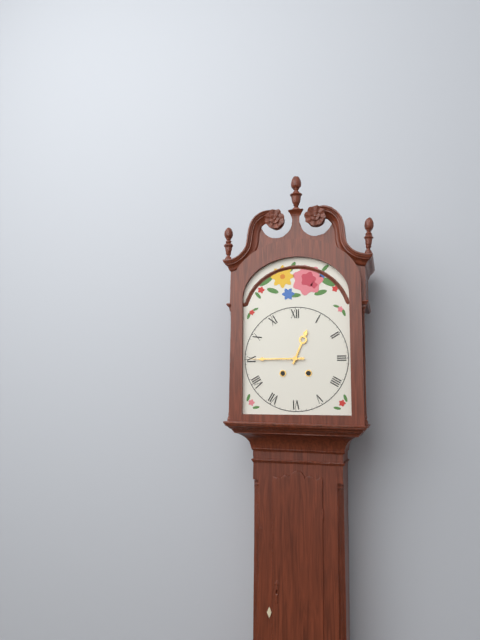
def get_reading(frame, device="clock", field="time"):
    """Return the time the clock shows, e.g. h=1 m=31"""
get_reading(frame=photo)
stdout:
h=12 m=45
